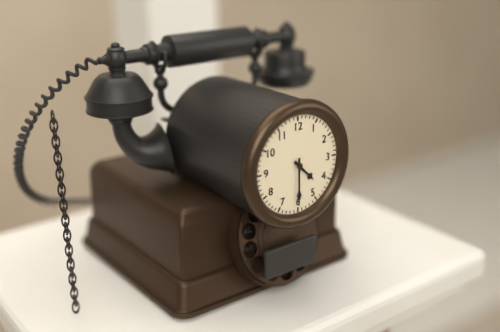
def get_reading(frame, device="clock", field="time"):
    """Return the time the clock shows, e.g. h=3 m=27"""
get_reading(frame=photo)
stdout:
h=4 m=30
